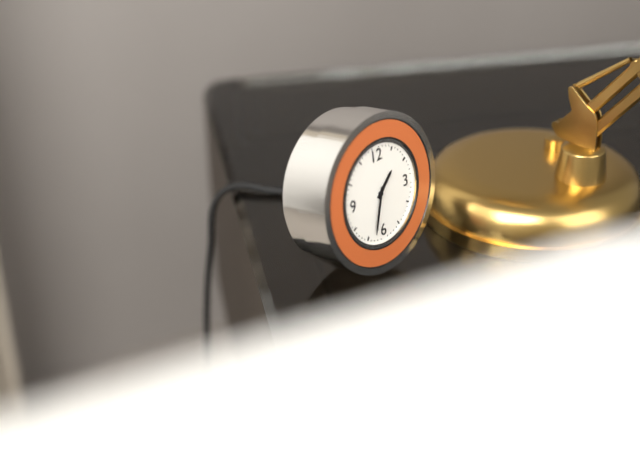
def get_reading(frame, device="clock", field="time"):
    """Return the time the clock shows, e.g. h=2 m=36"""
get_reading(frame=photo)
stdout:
h=1 m=33
